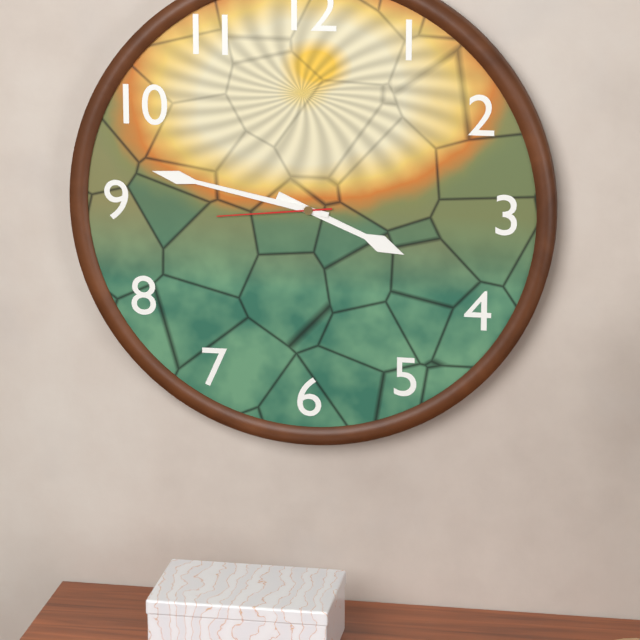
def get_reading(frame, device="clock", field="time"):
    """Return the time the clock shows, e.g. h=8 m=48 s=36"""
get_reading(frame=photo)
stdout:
h=3 m=47 s=44
